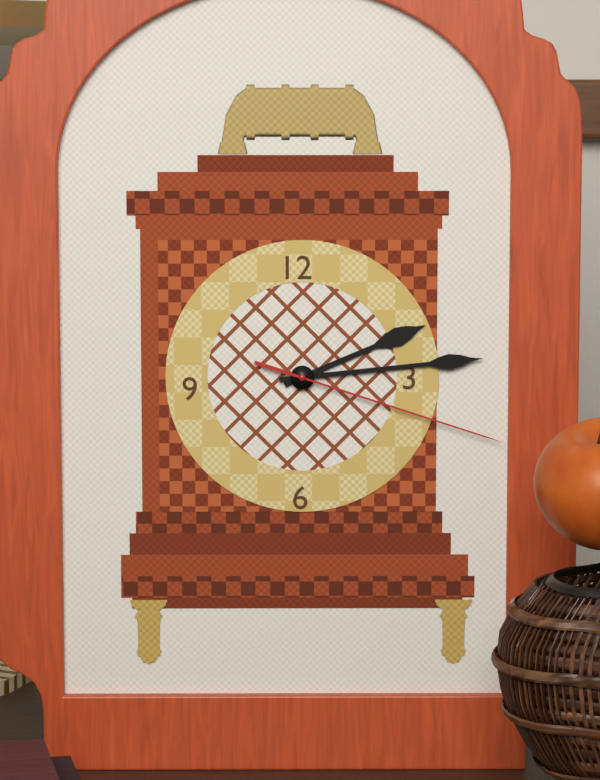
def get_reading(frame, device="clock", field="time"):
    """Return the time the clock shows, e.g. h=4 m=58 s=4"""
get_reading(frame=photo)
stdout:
h=2 m=14 s=18
